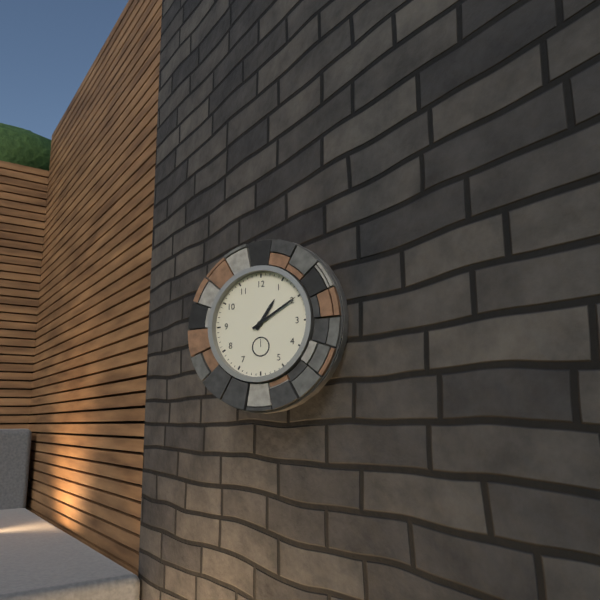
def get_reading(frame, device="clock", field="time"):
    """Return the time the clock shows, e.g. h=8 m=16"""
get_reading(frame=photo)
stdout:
h=1 m=10
